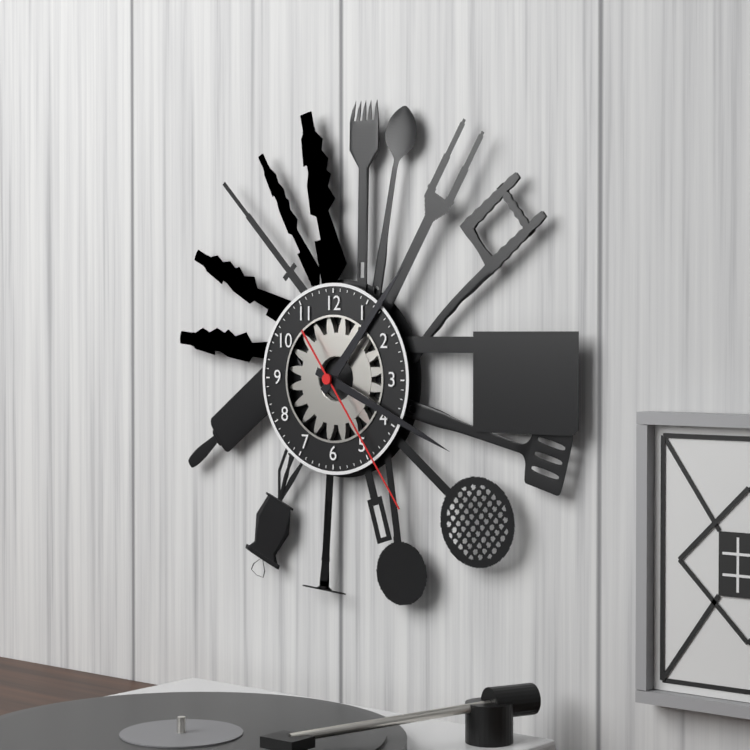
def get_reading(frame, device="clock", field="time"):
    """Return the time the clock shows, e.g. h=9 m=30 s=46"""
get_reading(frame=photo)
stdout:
h=1 m=19 s=24
